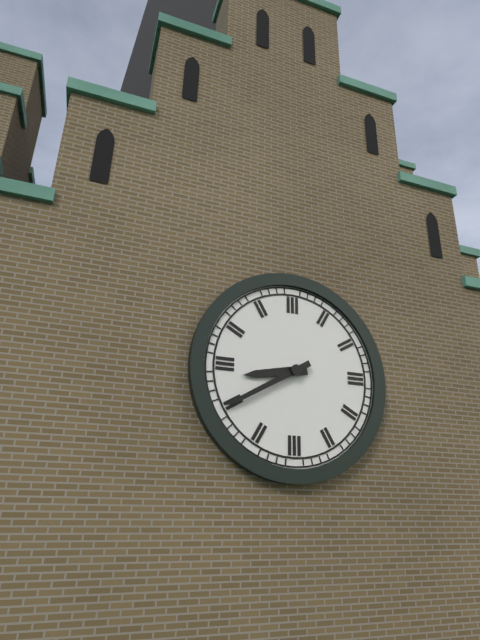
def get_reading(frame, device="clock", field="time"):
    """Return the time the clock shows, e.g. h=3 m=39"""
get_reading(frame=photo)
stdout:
h=8 m=40
